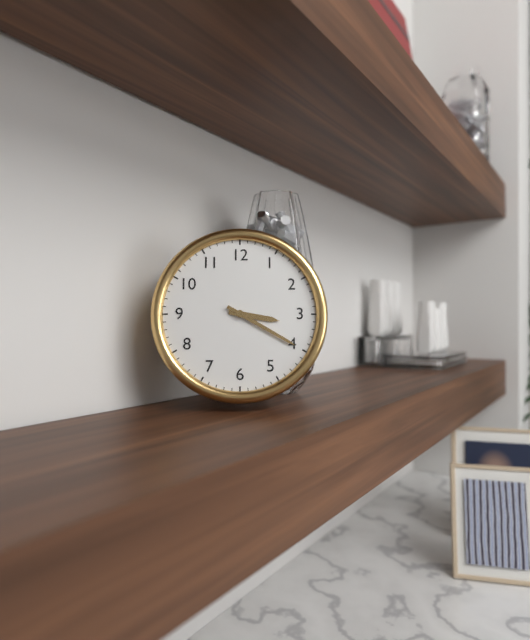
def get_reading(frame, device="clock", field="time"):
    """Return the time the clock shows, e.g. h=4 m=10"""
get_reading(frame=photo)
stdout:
h=3 m=20
